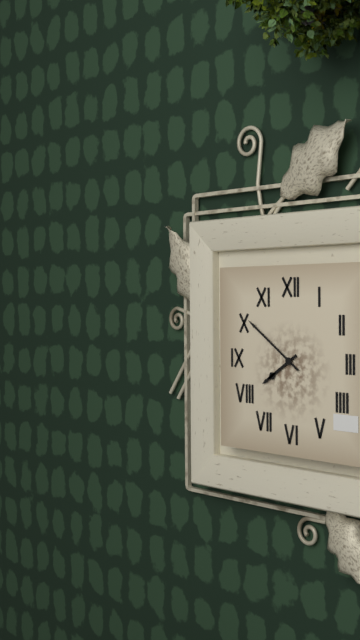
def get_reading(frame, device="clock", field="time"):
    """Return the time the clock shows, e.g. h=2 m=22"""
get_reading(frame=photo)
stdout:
h=7 m=51
